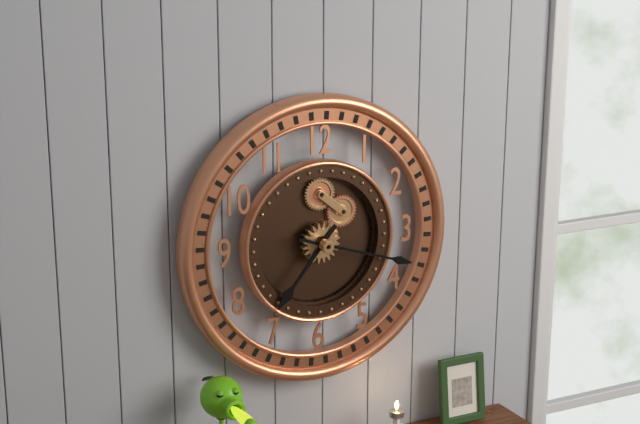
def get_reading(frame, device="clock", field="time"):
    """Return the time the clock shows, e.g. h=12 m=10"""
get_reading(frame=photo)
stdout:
h=7 m=18
